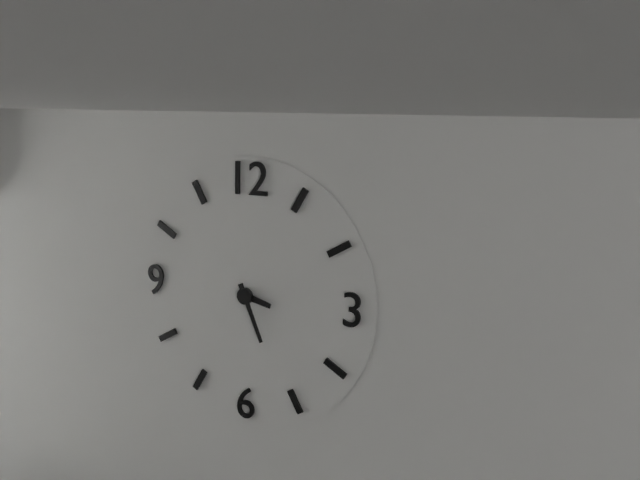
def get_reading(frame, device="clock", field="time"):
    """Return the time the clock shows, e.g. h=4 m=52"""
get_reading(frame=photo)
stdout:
h=3 m=26
